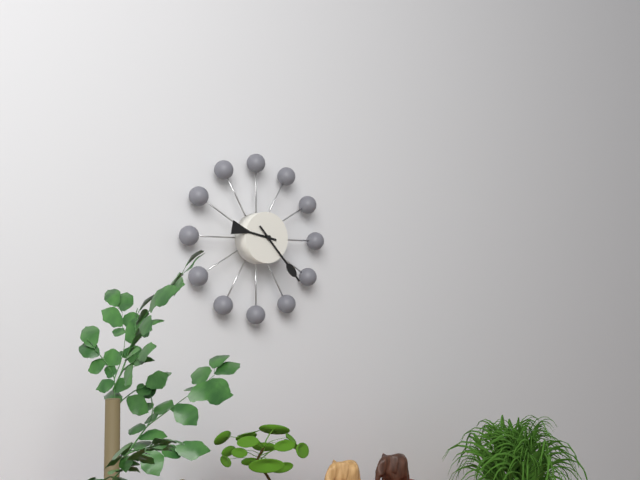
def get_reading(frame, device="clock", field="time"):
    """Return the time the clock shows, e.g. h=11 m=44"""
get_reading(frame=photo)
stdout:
h=9 m=23
